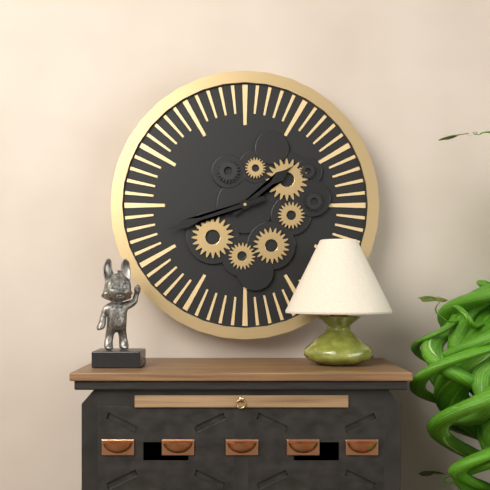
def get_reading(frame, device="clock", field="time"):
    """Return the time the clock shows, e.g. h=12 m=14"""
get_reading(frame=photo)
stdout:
h=1 m=42
